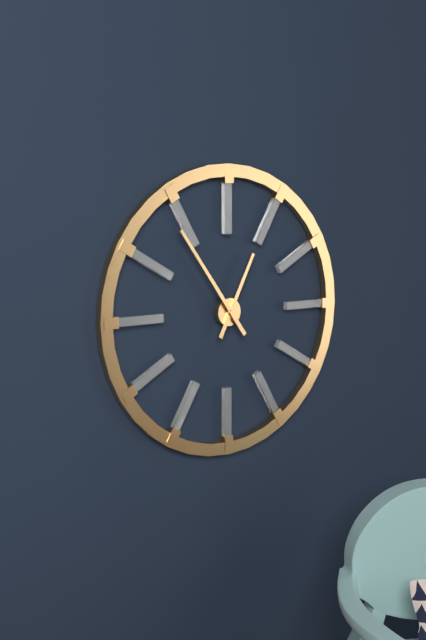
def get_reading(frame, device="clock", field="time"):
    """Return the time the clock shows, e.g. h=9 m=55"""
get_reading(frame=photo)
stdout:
h=12 m=54
